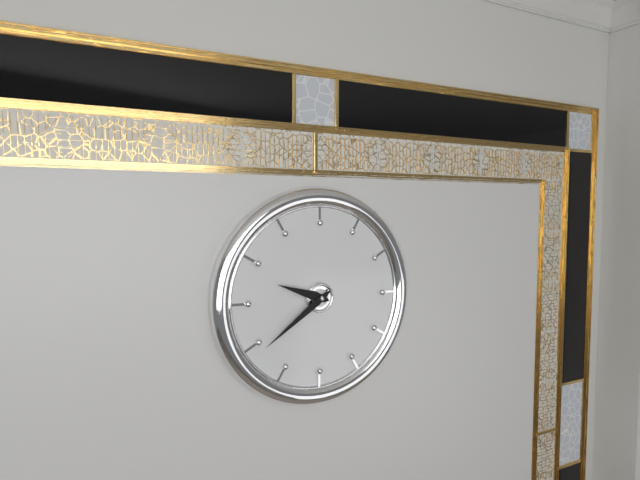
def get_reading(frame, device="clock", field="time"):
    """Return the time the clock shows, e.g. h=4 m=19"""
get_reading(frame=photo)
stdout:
h=9 m=39
